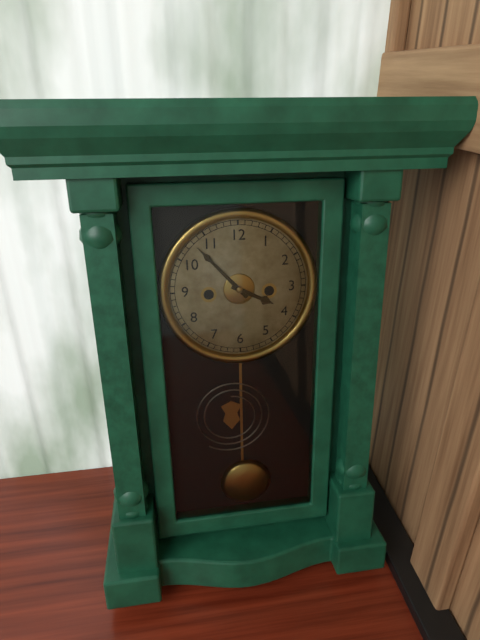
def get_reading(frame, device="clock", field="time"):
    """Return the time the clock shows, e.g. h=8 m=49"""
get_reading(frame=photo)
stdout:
h=3 m=53
